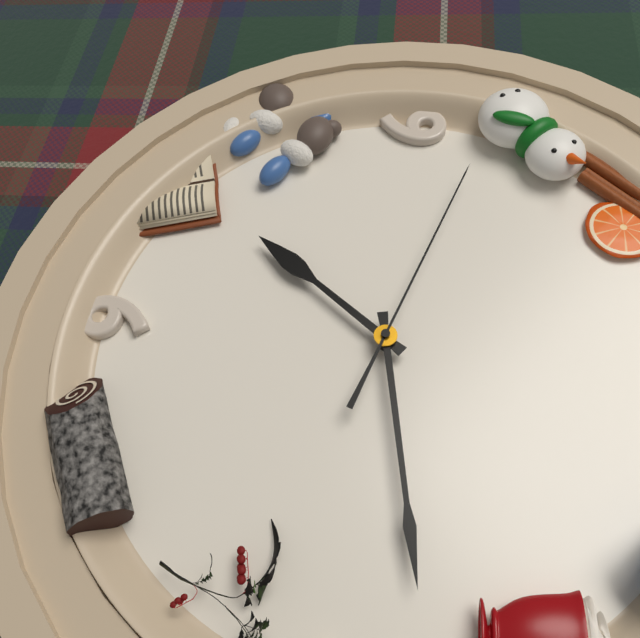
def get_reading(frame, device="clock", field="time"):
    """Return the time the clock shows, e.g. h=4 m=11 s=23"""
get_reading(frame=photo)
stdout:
h=7 m=13 s=48
